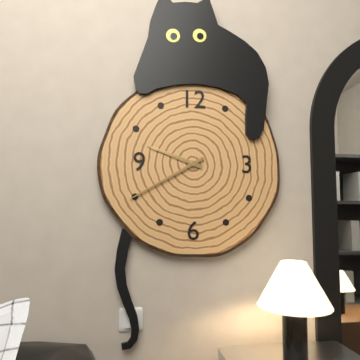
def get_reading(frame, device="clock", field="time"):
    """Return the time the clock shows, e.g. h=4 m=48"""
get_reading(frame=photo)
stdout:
h=9 m=40
